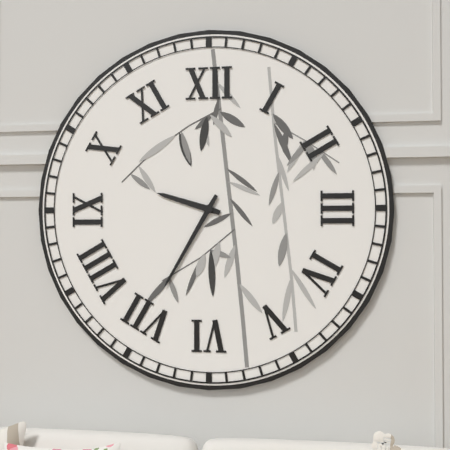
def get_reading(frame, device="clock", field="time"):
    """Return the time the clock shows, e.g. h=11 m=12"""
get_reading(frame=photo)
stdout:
h=9 m=35
